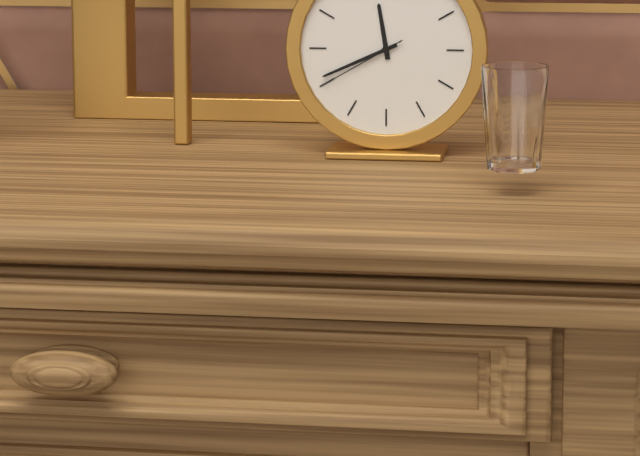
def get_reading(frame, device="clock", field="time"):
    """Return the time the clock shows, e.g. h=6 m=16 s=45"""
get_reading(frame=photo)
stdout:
h=11 m=41 s=40
